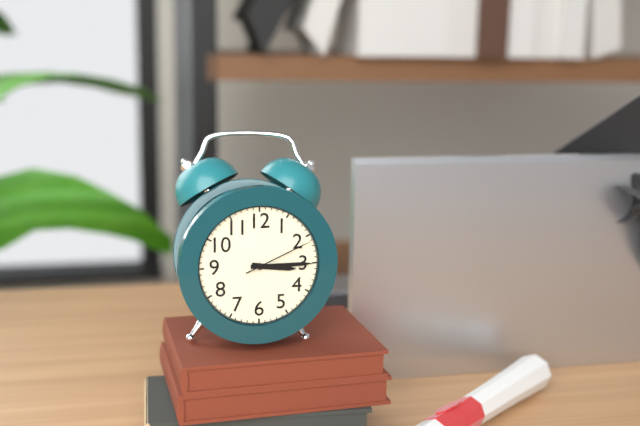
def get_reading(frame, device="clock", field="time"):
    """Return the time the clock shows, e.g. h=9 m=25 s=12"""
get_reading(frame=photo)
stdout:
h=3 m=15 s=11
